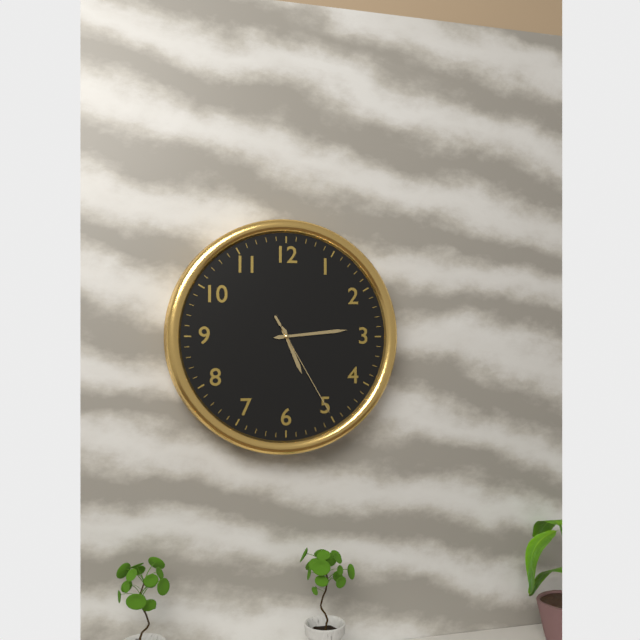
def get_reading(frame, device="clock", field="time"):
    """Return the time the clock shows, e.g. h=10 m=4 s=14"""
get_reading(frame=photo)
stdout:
h=5 m=14 s=25
